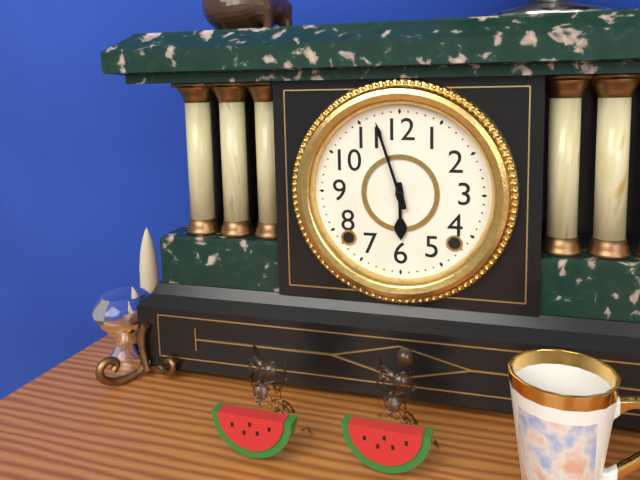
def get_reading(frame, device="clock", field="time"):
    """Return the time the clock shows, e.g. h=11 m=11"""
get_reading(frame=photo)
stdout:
h=5 m=57
